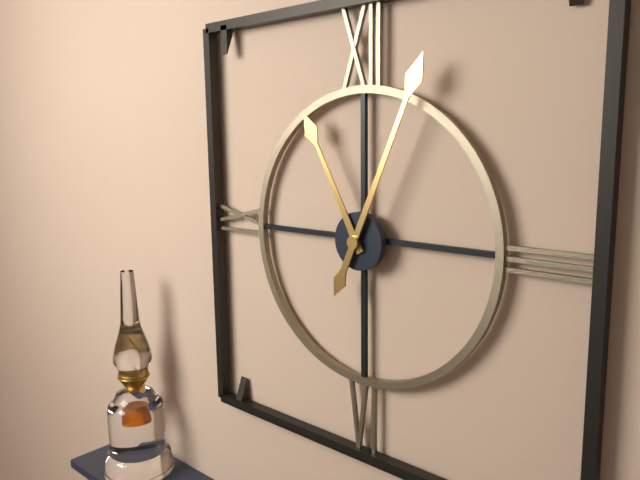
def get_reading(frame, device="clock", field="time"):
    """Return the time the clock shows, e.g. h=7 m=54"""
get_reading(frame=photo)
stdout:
h=11 m=4
